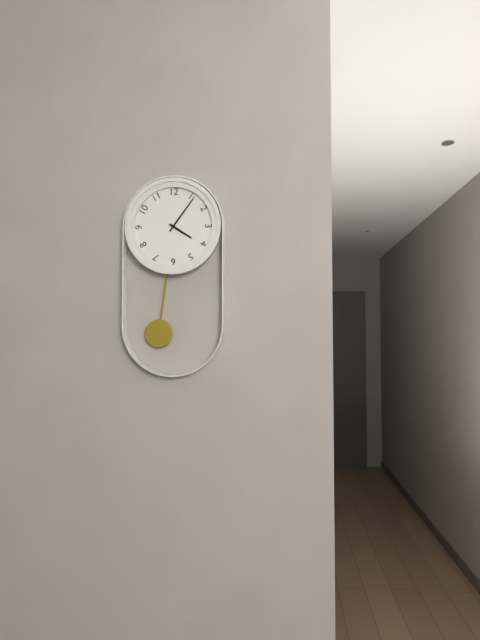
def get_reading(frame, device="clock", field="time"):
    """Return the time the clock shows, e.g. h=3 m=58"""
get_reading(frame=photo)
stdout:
h=4 m=6
